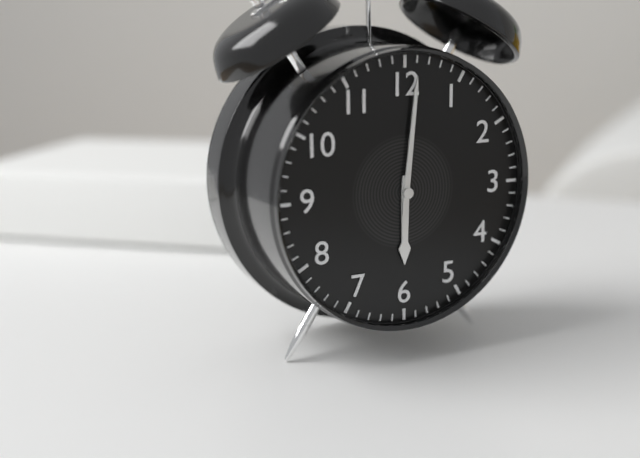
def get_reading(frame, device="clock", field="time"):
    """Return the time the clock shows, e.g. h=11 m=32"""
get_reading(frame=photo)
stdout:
h=6 m=1
